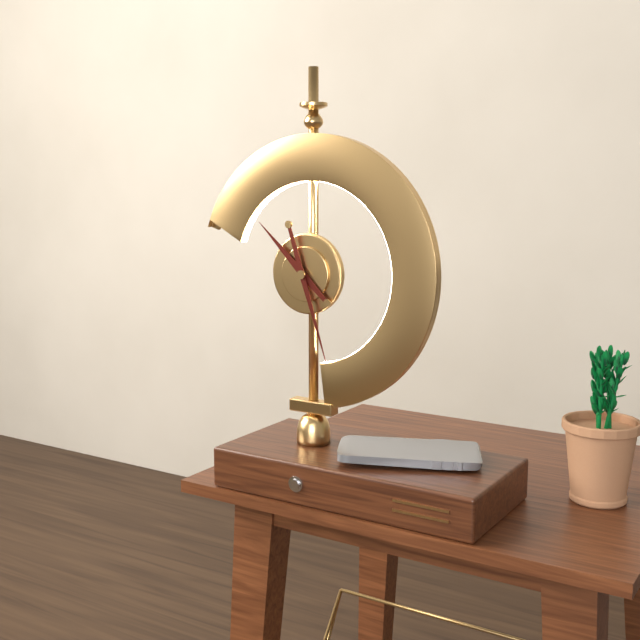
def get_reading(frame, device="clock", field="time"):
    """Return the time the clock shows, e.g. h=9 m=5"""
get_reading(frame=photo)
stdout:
h=10 m=27
